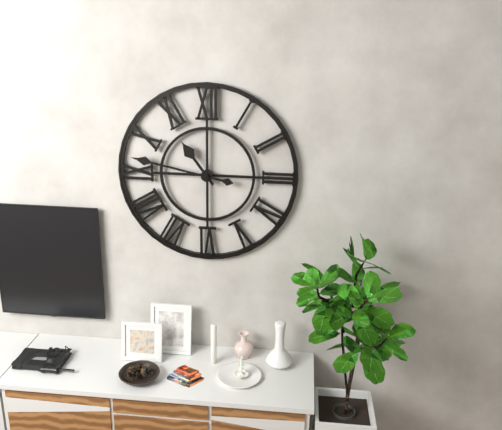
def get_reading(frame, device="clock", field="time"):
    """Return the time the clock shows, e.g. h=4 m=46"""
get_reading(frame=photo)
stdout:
h=10 m=47
